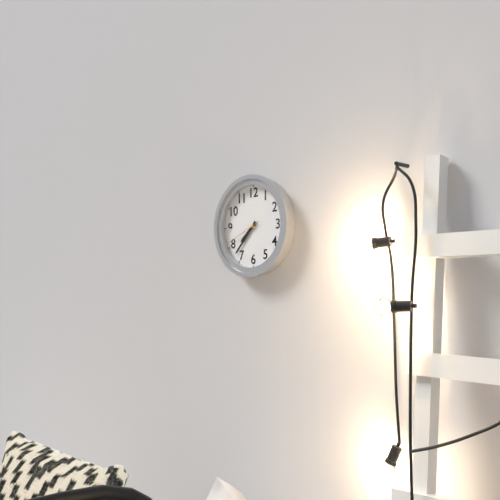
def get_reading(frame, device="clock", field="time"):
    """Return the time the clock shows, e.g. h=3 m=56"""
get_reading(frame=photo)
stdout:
h=7 m=37
